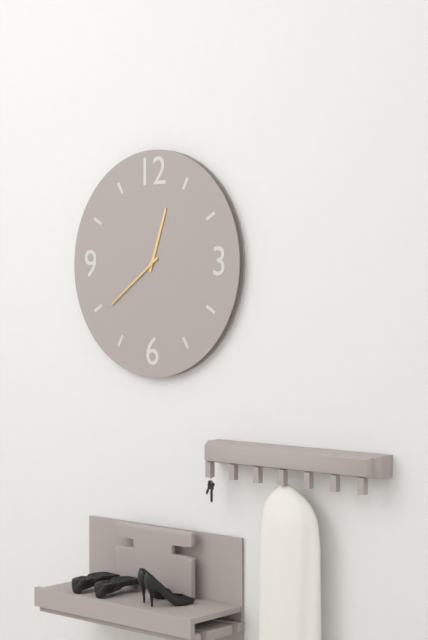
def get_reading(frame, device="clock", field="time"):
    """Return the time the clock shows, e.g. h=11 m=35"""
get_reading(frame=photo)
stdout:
h=12 m=39
